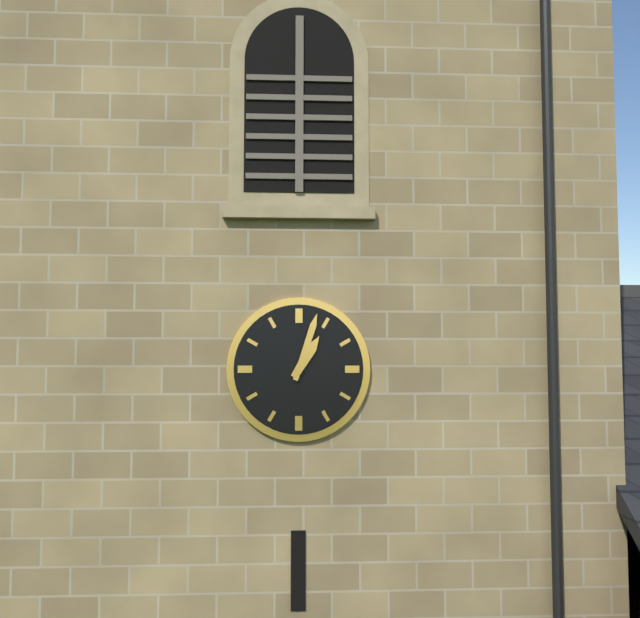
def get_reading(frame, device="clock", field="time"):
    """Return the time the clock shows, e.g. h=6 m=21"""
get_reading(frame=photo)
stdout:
h=1 m=3
